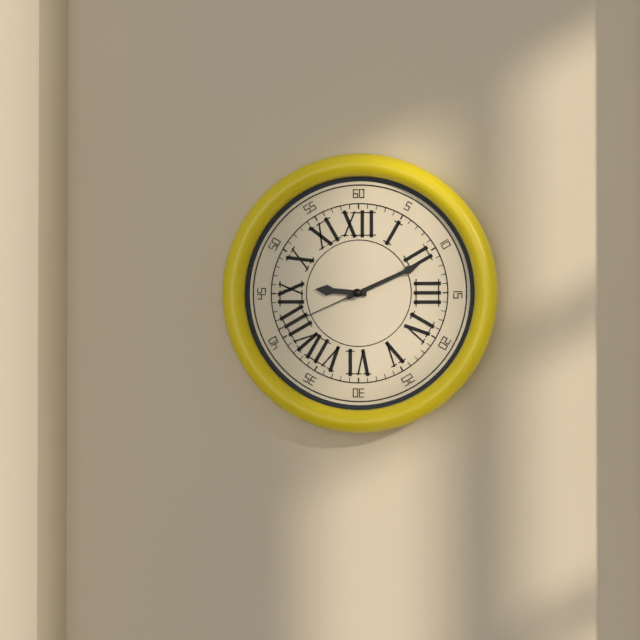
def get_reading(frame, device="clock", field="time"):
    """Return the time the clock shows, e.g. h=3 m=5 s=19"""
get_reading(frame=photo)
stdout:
h=9 m=11 s=41
